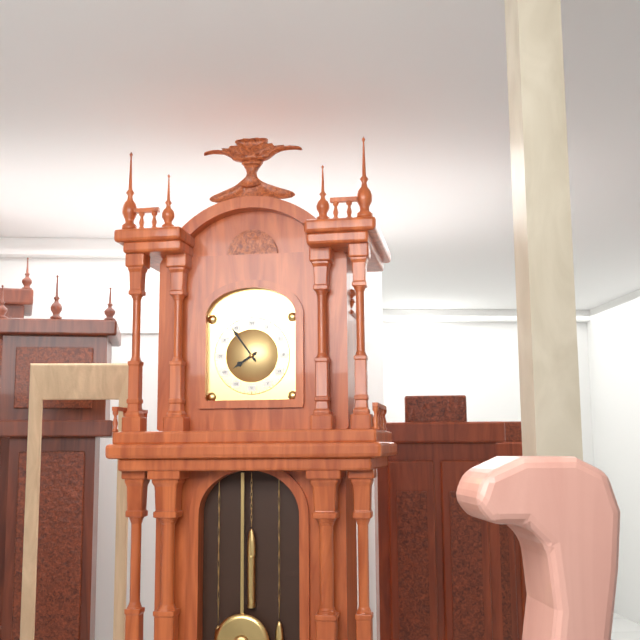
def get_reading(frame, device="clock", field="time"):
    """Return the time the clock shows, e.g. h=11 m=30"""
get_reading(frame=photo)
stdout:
h=7 m=54
